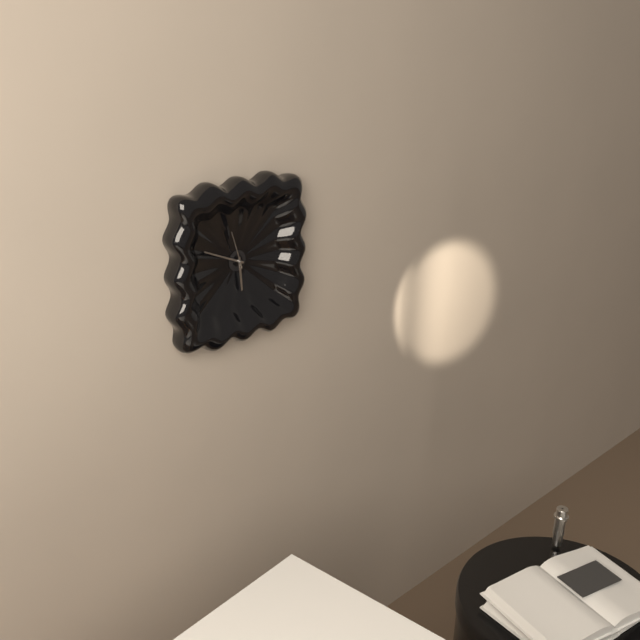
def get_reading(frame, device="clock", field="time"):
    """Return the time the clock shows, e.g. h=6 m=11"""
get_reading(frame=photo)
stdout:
h=5 m=49
